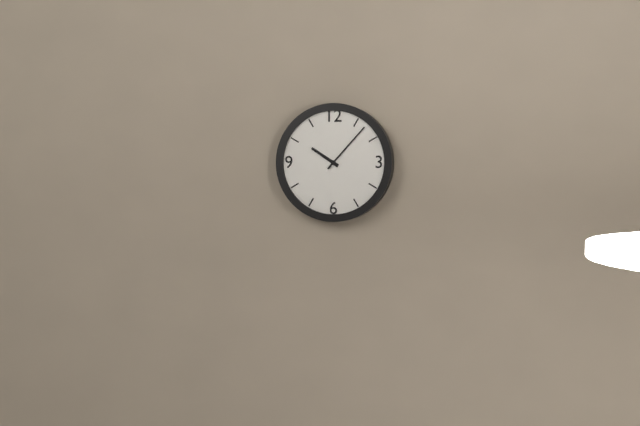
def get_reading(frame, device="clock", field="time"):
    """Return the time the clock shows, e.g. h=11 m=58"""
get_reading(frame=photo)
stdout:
h=10 m=7
